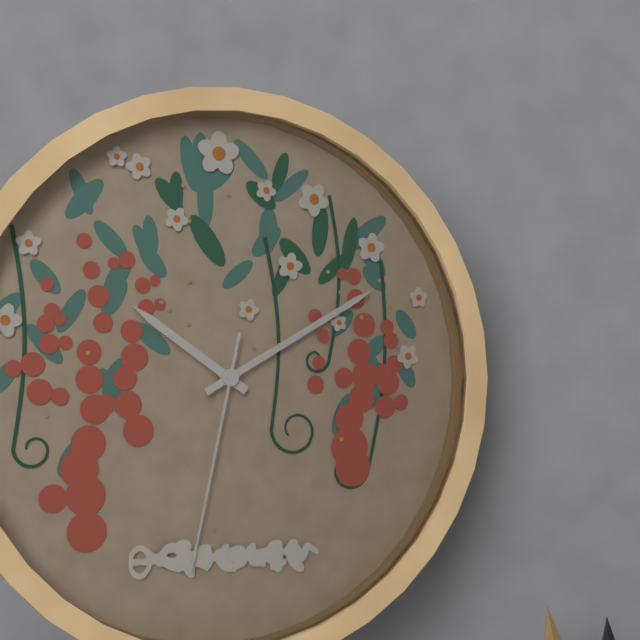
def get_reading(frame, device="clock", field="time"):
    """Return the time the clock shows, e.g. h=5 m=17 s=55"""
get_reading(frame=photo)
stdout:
h=10 m=10 s=32
